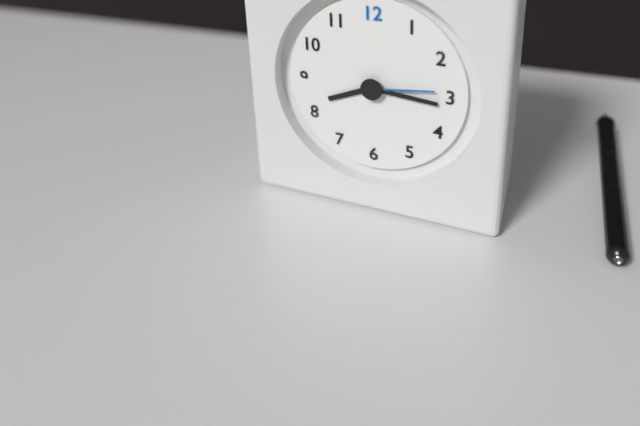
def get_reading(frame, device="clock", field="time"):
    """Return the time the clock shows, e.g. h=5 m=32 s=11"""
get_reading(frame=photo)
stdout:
h=8 m=16 s=14
